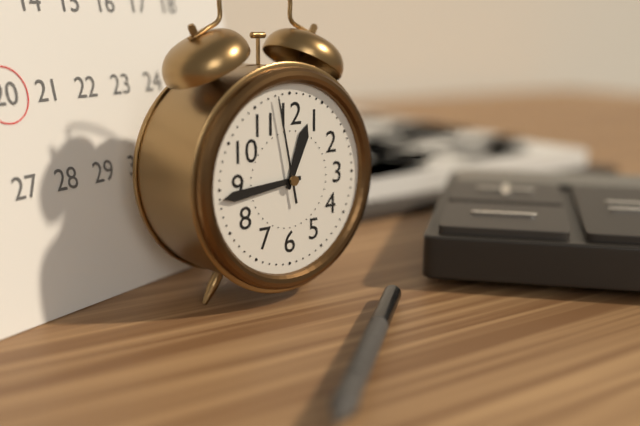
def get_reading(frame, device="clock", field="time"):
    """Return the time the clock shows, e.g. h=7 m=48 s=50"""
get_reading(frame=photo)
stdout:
h=12 m=44 s=58
